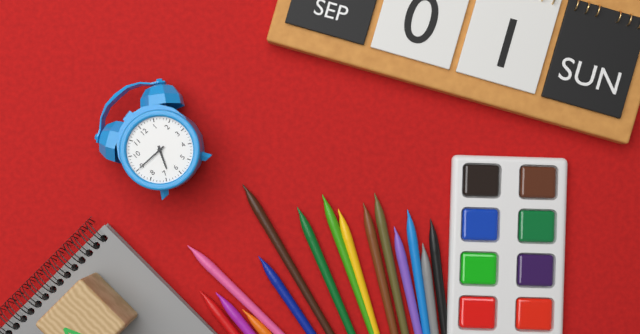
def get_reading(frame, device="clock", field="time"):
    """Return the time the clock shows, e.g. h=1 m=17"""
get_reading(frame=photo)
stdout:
h=6 m=45
